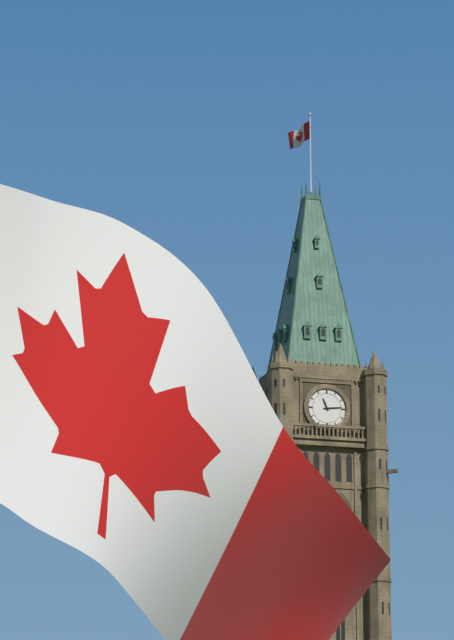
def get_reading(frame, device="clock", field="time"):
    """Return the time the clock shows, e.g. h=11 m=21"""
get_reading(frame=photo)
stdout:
h=11 m=14
